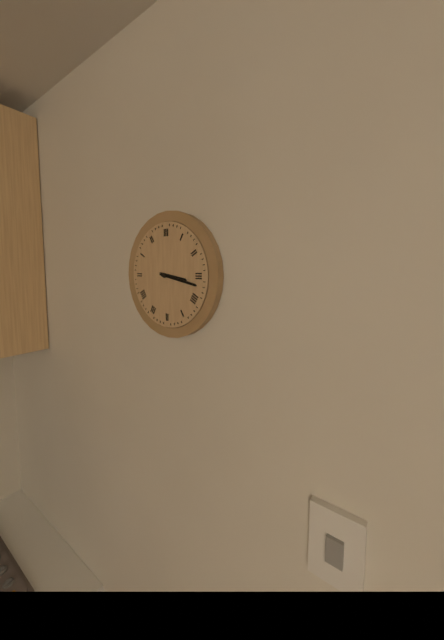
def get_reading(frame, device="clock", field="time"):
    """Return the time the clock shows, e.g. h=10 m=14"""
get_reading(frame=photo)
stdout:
h=3 m=17
